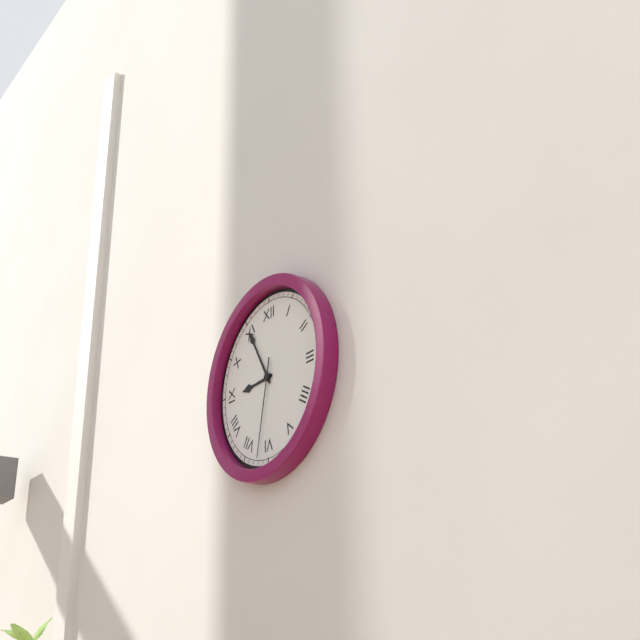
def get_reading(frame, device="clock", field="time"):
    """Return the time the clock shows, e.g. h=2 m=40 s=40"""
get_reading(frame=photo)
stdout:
h=8 m=55 s=32
